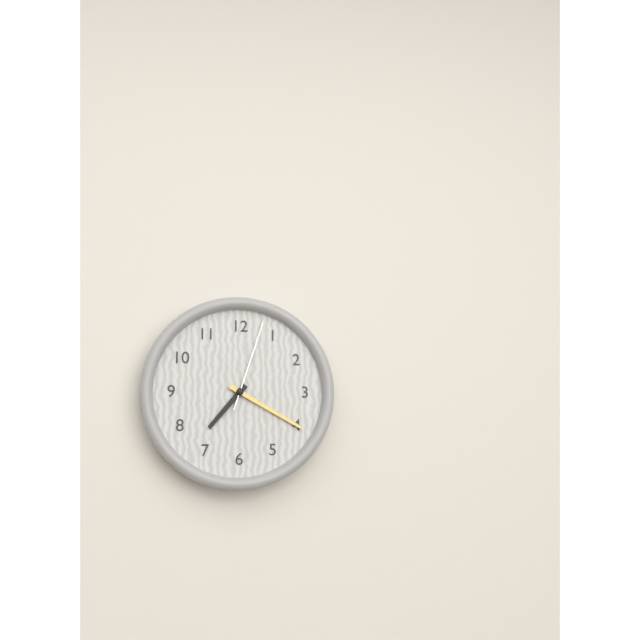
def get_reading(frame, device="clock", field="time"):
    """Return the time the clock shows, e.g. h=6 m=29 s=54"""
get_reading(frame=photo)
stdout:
h=7 m=20 s=3
